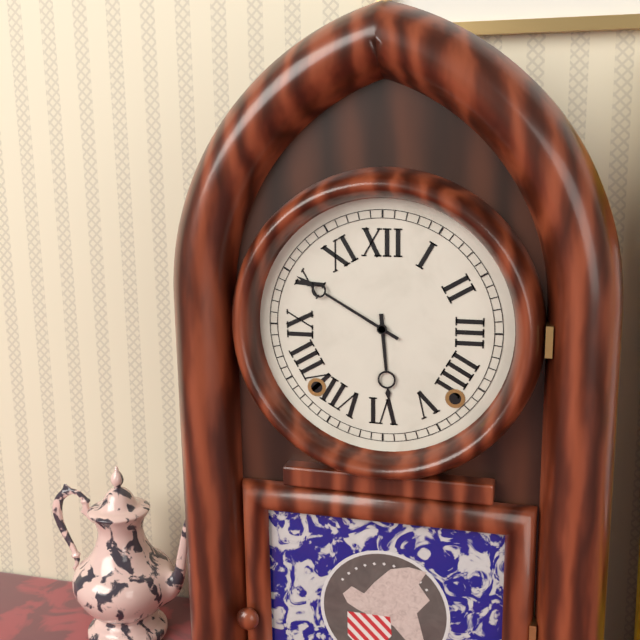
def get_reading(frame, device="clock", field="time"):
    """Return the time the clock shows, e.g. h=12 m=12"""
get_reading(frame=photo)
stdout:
h=5 m=50
